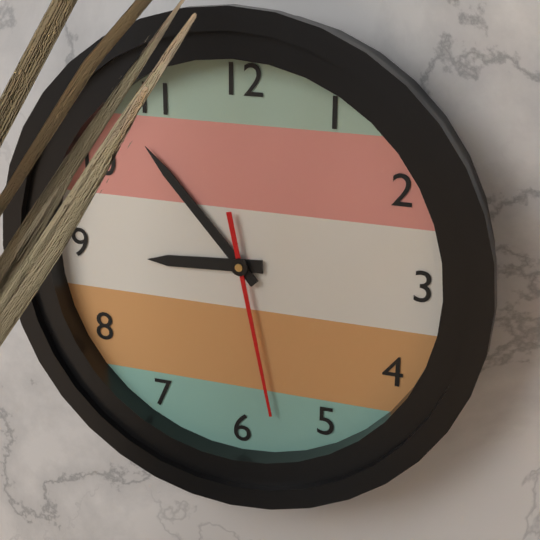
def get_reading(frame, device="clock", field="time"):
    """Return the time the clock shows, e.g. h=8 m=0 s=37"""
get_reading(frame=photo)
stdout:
h=8 m=53 s=28
